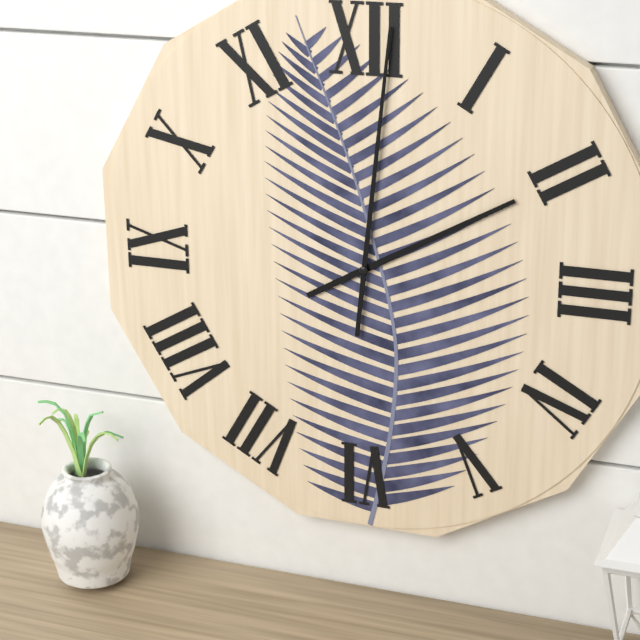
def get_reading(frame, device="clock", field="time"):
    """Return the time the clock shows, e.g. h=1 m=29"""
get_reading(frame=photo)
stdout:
h=2 m=1
